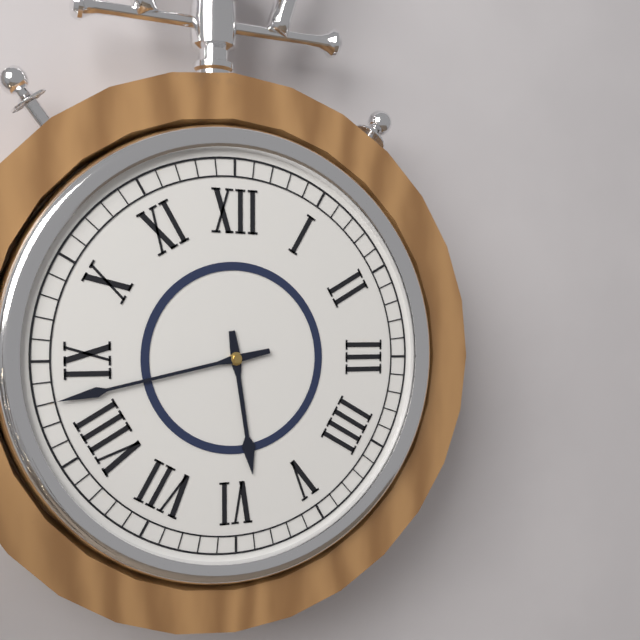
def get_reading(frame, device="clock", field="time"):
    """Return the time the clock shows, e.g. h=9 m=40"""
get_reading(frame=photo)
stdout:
h=5 m=43
